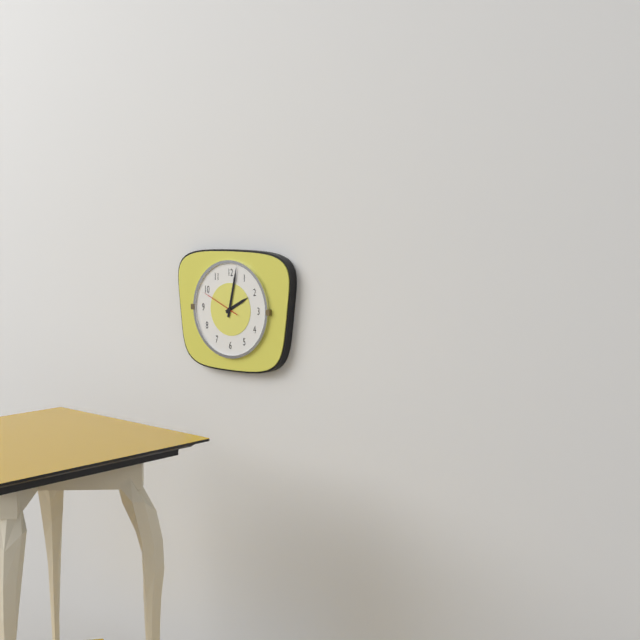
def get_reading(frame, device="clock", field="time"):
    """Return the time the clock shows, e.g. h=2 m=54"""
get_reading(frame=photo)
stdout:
h=2 m=2
